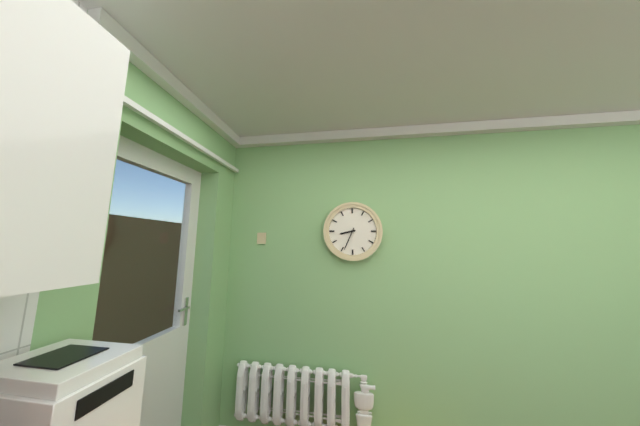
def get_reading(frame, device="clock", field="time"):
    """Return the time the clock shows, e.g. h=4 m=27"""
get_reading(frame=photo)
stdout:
h=8 m=34
